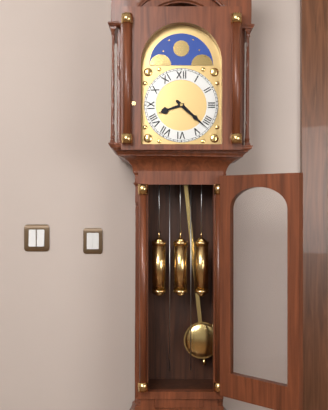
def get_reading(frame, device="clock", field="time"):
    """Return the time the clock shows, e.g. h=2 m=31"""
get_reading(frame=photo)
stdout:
h=8 m=22
